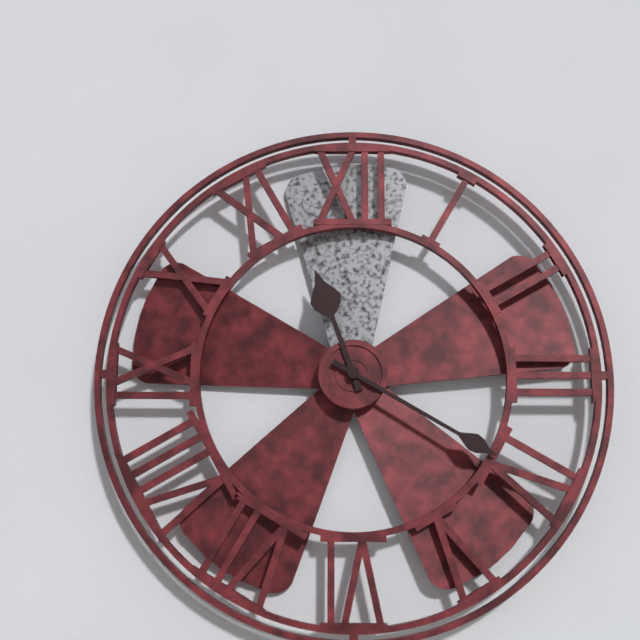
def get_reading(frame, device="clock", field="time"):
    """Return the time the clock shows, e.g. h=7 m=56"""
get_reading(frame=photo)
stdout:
h=11 m=20
